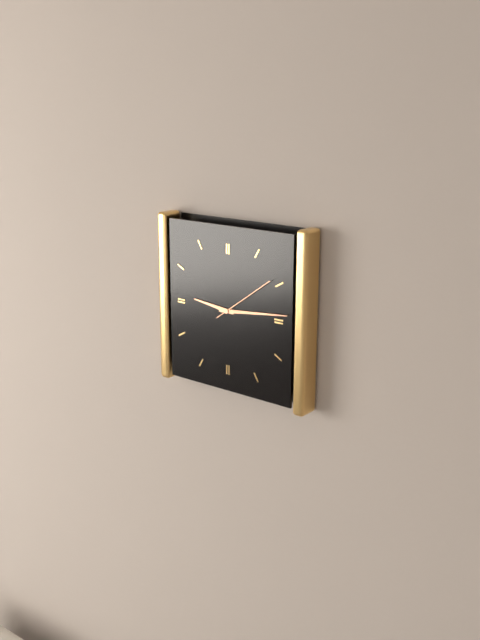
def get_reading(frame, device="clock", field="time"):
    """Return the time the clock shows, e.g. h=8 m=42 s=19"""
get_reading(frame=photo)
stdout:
h=9 m=14 s=9
